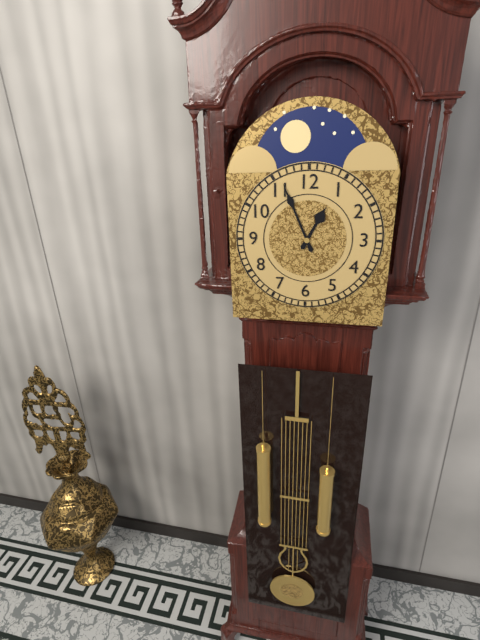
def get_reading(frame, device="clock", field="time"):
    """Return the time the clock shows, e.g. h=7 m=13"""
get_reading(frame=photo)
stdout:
h=12 m=56
